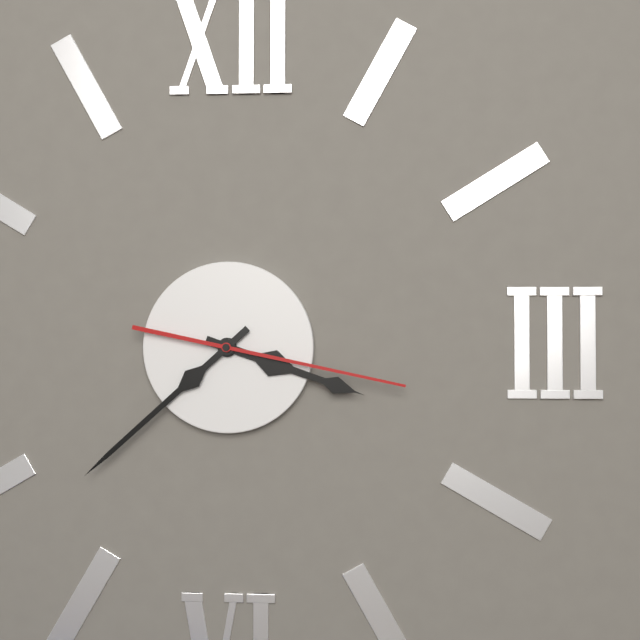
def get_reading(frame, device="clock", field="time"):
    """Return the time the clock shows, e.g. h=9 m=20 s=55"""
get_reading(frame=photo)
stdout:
h=3 m=38 s=17
